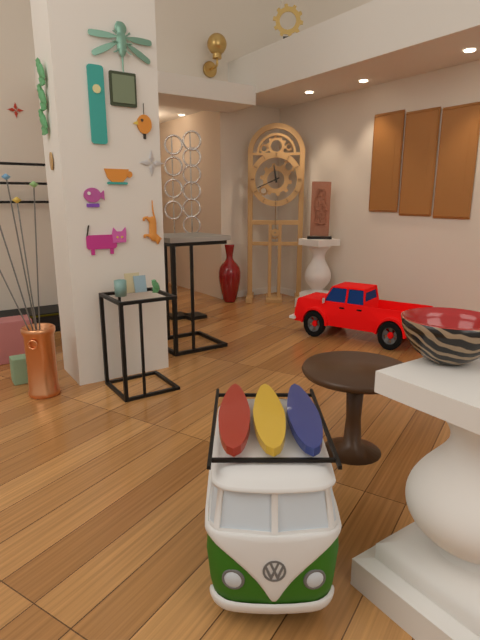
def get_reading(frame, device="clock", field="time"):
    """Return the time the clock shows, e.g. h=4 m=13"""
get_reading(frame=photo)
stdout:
h=11 m=41
